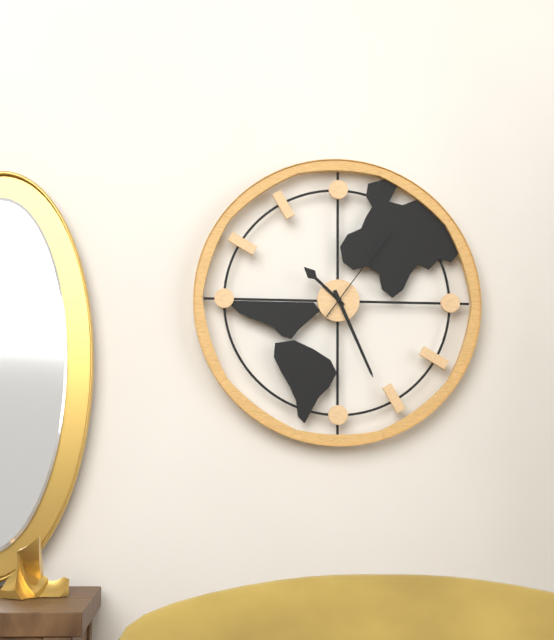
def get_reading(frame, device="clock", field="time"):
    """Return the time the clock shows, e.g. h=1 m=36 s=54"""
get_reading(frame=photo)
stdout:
h=10 m=26 s=6
